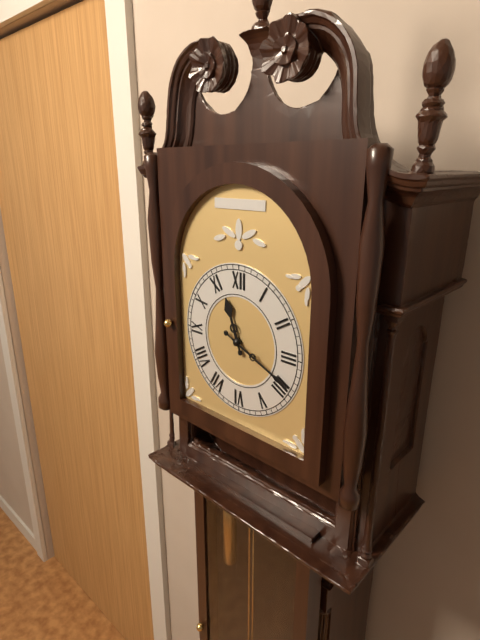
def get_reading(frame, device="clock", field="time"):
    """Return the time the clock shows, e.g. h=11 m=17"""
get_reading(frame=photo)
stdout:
h=11 m=19
